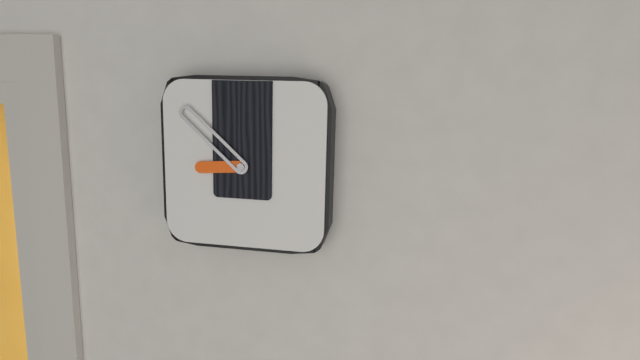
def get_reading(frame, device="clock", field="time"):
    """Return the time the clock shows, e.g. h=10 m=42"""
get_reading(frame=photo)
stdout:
h=8 m=52
